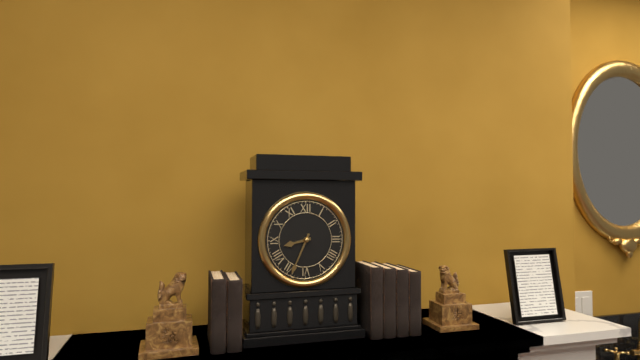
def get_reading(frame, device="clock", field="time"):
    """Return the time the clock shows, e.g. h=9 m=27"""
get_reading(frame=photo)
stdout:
h=8 m=34
